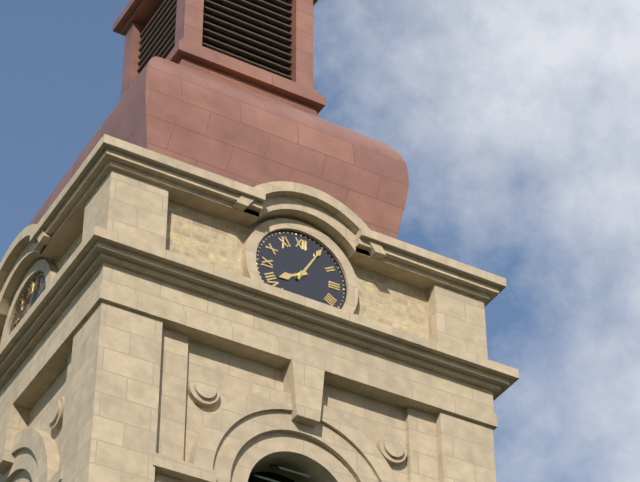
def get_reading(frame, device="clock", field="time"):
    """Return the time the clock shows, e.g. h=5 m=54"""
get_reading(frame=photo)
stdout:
h=8 m=5
